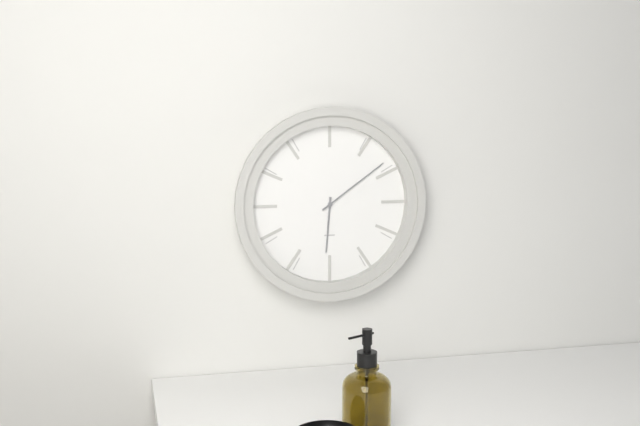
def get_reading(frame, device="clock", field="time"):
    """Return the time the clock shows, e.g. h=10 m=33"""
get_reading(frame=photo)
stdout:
h=6 m=9
